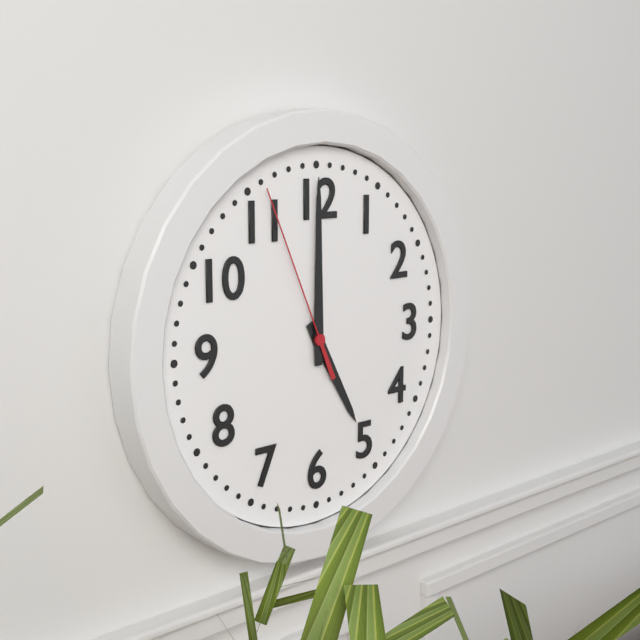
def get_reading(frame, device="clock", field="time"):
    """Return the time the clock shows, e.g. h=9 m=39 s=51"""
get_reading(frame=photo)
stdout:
h=5 m=0 s=56
